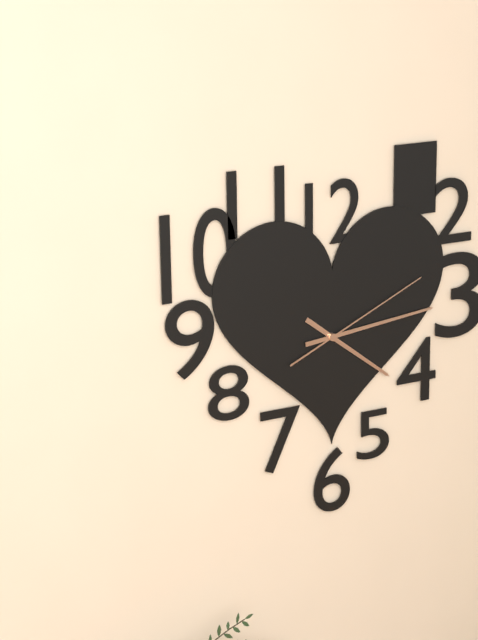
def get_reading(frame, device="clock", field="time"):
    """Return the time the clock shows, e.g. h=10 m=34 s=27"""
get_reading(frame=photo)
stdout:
h=4 m=14 s=11
